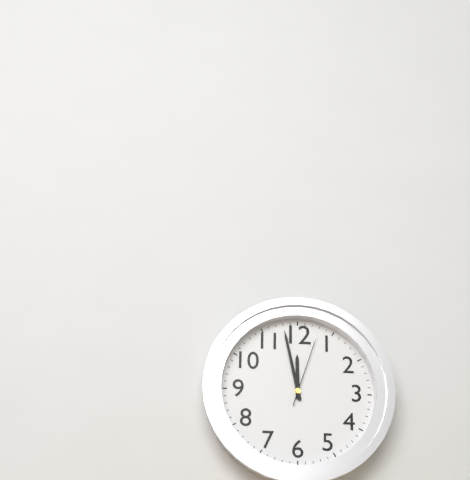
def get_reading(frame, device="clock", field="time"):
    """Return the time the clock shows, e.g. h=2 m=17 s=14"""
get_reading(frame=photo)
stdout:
h=11 m=58 s=3
